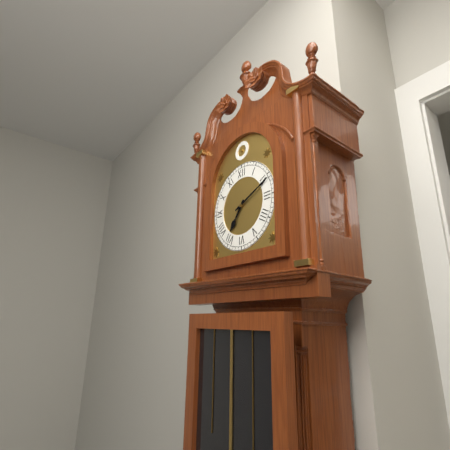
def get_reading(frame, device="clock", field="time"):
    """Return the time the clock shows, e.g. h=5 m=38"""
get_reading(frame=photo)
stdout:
h=7 m=11
